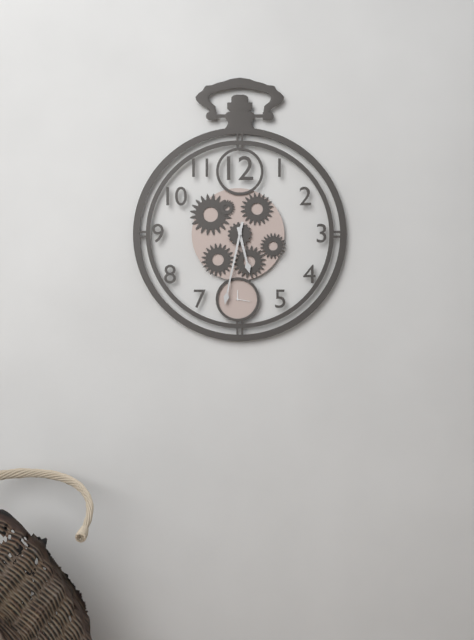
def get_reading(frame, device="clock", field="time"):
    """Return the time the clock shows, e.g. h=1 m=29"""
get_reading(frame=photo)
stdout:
h=5 m=32
